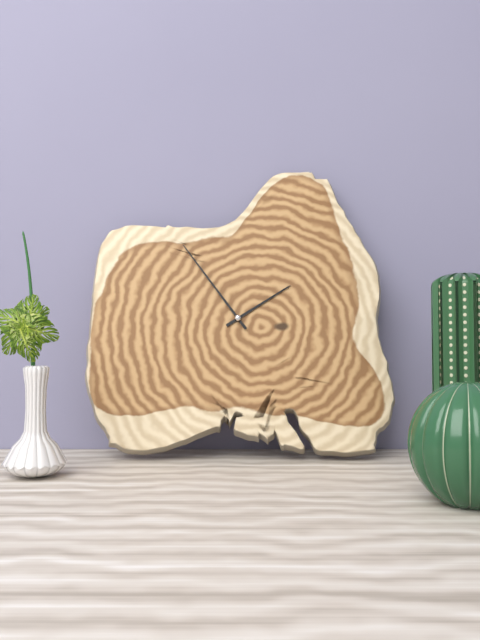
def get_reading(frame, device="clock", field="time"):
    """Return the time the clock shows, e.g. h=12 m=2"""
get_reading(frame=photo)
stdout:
h=1 m=54
